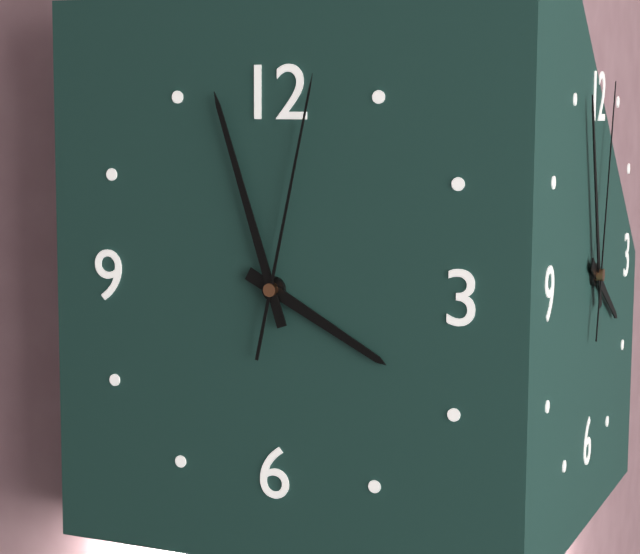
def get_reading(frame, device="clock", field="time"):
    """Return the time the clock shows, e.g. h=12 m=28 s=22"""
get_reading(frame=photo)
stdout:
h=3 m=57 s=2
